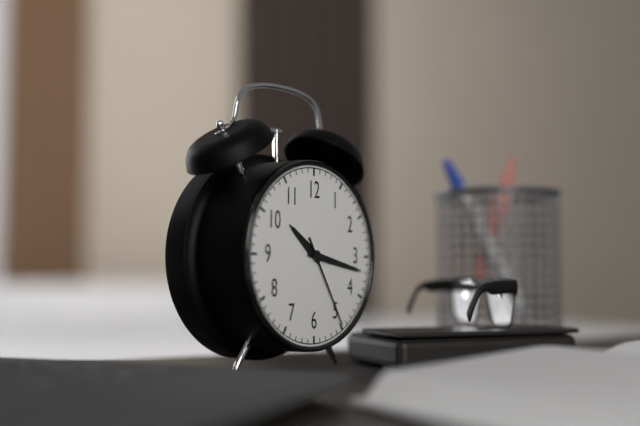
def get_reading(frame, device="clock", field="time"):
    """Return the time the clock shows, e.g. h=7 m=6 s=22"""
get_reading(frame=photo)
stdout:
h=10 m=17 s=25
